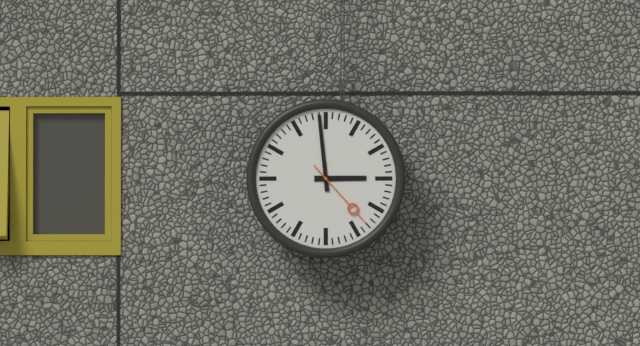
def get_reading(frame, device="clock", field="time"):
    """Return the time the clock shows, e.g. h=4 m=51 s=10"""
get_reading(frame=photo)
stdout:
h=2 m=59 s=23
